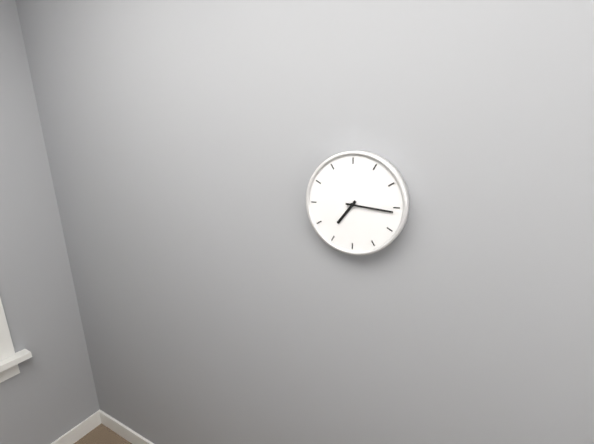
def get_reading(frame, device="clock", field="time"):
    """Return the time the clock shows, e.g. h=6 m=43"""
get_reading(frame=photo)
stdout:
h=7 m=16
